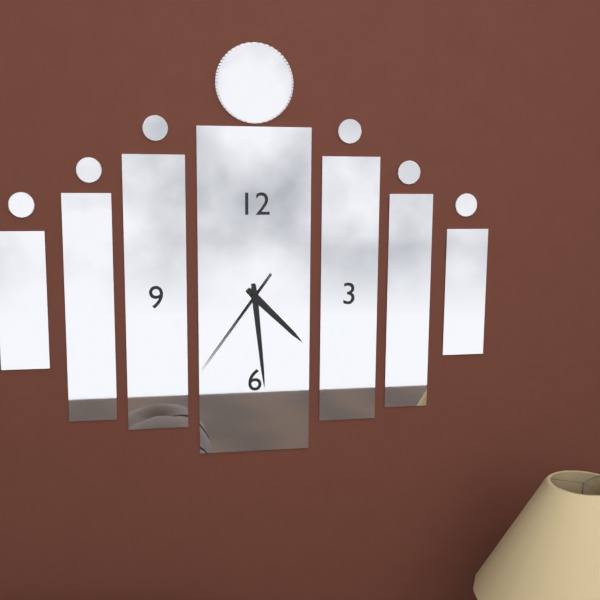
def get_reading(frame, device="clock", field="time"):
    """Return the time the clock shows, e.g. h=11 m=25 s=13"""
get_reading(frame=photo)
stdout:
h=4 m=29 s=36
